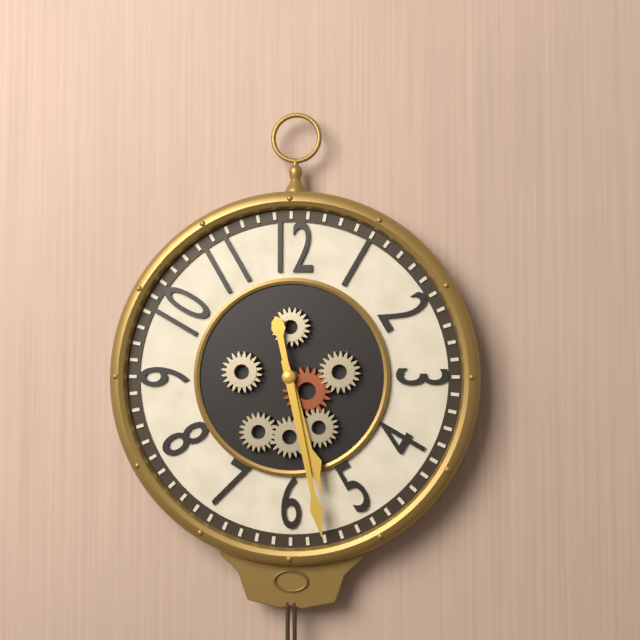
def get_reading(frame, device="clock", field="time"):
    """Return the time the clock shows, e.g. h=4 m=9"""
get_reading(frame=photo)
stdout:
h=5 m=28
